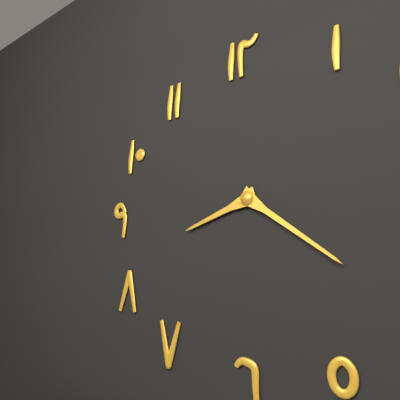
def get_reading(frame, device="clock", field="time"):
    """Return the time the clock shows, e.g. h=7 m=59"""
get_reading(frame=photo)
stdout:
h=8 m=21
